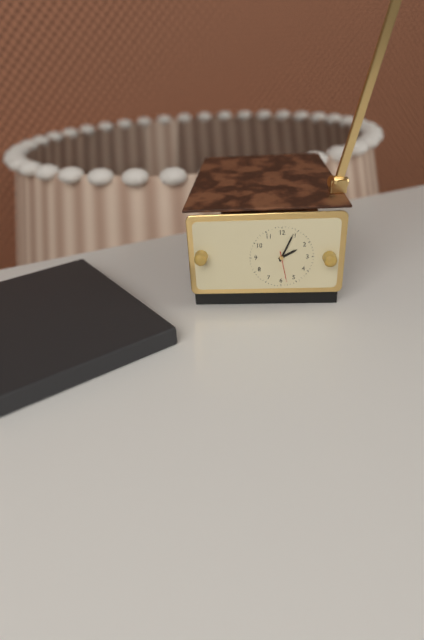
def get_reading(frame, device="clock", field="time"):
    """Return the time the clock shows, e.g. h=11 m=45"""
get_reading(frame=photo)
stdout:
h=2 m=4
